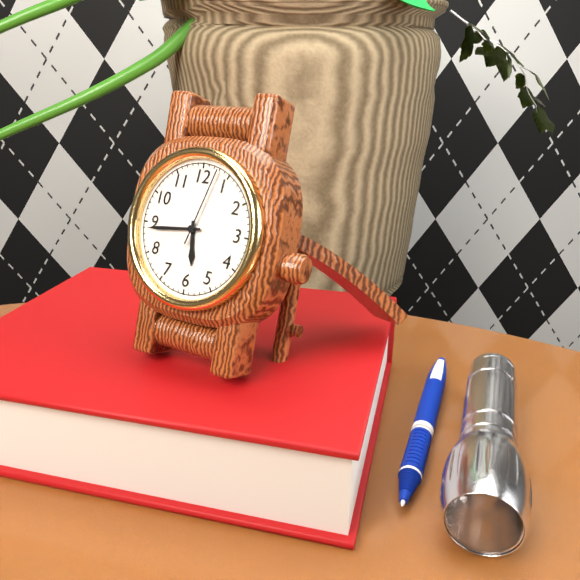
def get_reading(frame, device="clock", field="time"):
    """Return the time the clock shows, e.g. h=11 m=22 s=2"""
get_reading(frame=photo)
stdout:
h=5 m=44 s=3
